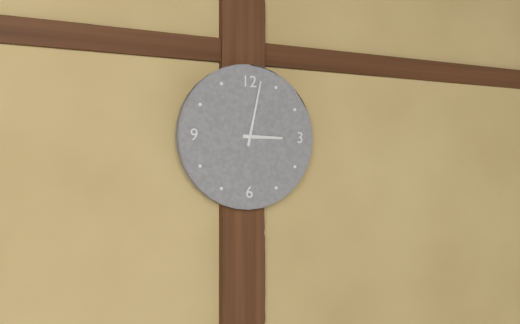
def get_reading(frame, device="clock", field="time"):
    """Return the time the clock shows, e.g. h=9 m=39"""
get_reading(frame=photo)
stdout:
h=3 m=2
